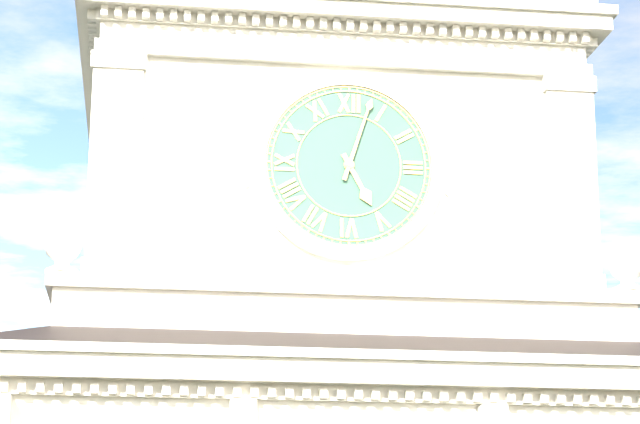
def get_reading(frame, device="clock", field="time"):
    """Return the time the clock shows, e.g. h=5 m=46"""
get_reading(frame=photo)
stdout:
h=5 m=3
